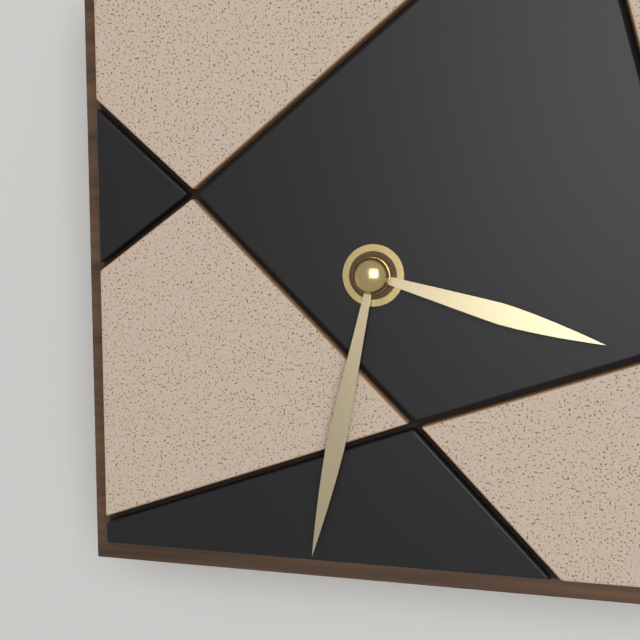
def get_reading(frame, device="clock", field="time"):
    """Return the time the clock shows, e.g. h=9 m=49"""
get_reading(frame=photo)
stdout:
h=3 m=32
